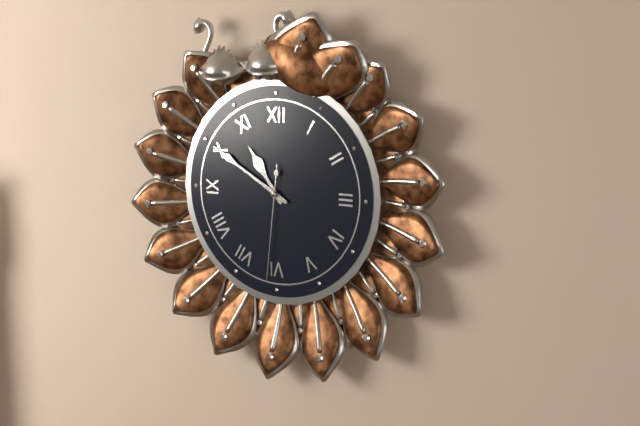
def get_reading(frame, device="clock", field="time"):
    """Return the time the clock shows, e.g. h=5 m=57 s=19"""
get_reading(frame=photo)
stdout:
h=10 m=50 s=31
